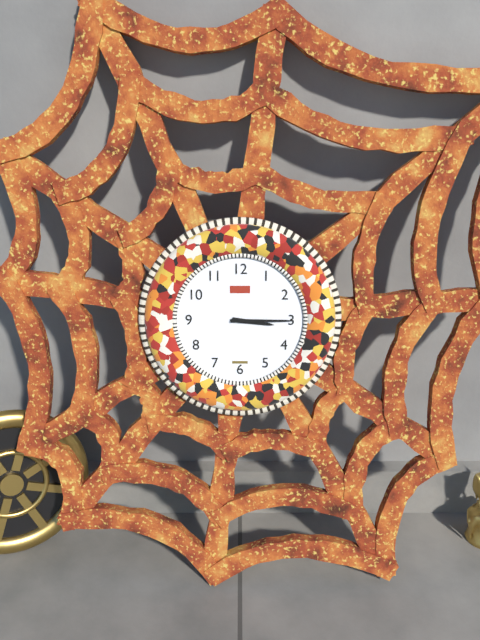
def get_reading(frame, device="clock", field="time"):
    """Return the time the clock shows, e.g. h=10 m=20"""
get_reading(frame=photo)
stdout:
h=3 m=15
